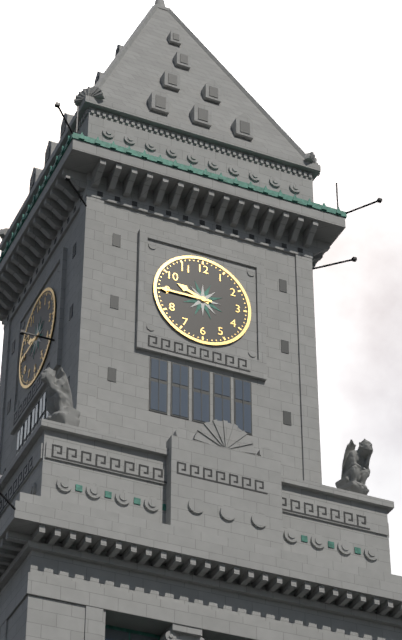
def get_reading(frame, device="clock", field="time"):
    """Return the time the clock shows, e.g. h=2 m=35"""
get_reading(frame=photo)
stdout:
h=9 m=45
